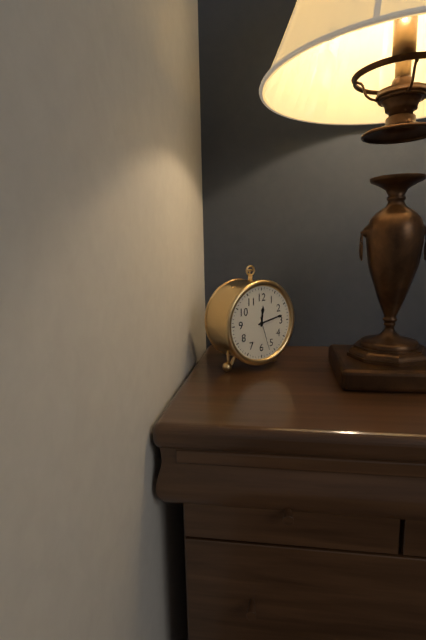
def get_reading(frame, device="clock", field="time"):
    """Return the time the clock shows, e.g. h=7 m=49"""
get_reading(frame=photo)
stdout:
h=12 m=13
